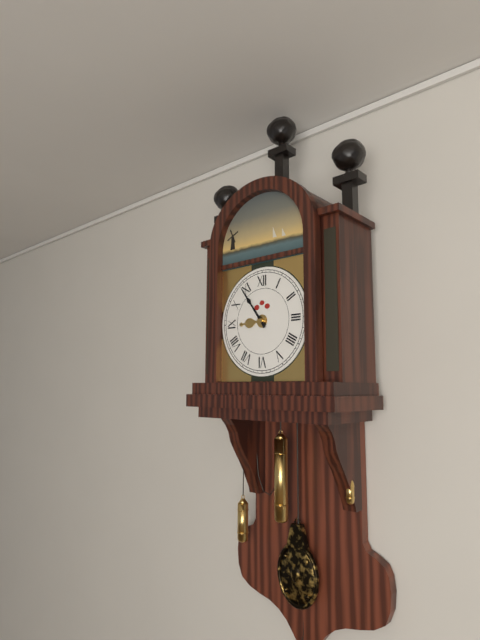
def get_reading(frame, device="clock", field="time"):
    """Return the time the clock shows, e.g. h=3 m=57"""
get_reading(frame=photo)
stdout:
h=8 m=54
